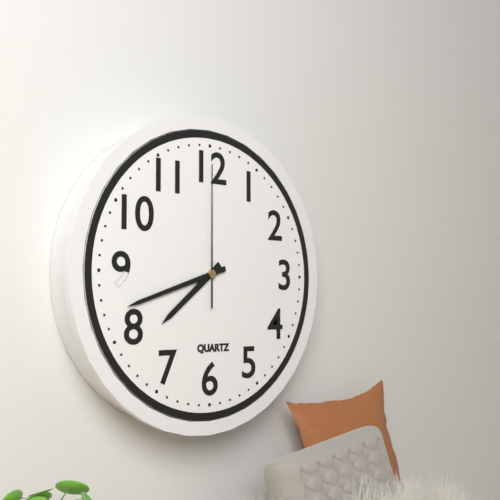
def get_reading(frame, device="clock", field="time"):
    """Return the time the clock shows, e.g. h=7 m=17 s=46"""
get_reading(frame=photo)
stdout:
h=7 m=42 s=0
